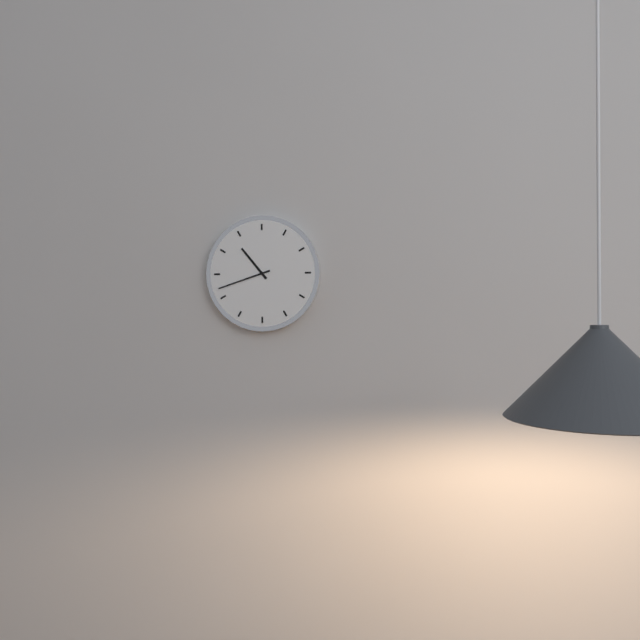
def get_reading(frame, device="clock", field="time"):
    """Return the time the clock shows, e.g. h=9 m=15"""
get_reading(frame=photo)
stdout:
h=10 m=42
